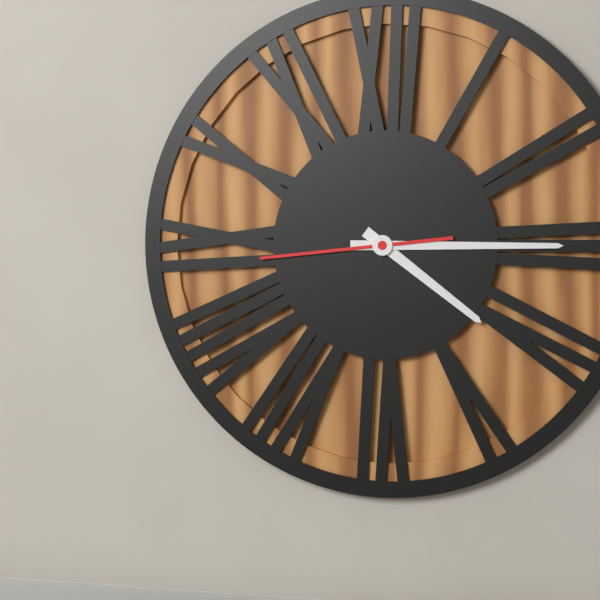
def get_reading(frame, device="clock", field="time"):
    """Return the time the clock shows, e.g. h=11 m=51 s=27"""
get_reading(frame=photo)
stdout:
h=4 m=15 s=44
